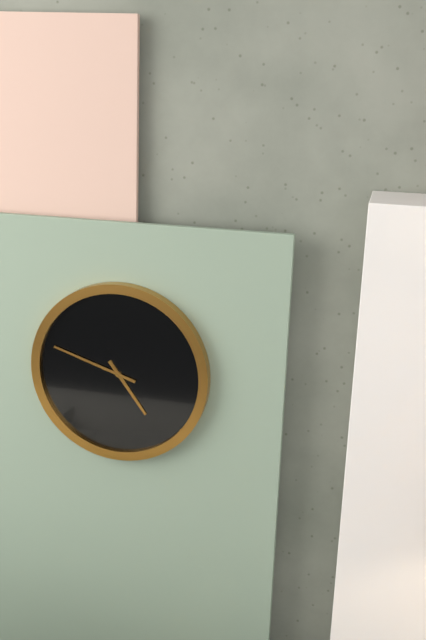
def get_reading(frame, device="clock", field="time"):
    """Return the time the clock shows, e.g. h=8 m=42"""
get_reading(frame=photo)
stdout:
h=4 m=48
